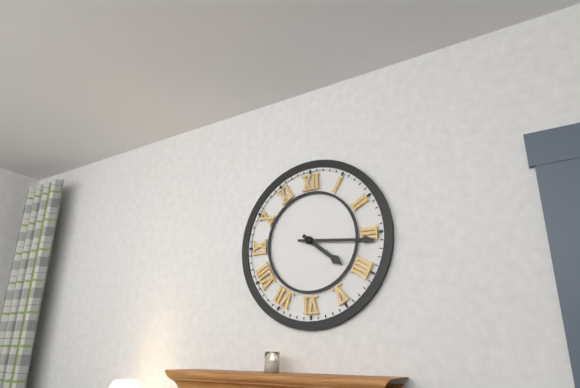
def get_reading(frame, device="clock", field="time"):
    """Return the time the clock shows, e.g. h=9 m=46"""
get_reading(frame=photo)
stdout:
h=4 m=16
